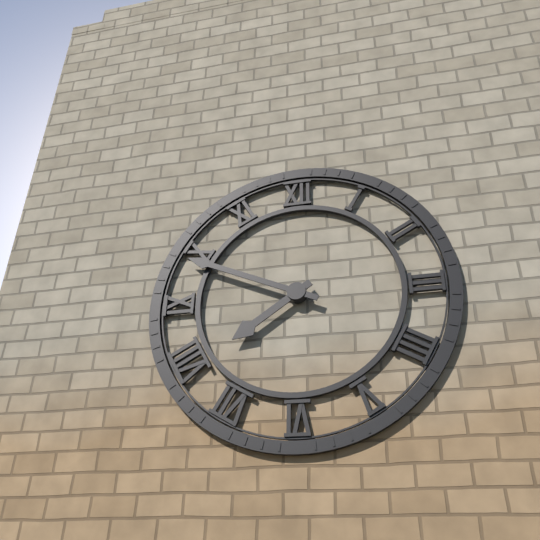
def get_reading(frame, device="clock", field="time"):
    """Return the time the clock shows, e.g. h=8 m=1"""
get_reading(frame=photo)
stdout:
h=7 m=49
